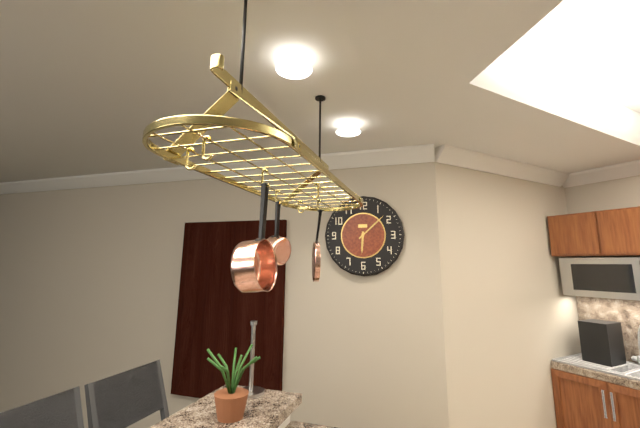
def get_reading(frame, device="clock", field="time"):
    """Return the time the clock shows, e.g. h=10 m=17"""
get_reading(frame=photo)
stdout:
h=6 m=8
